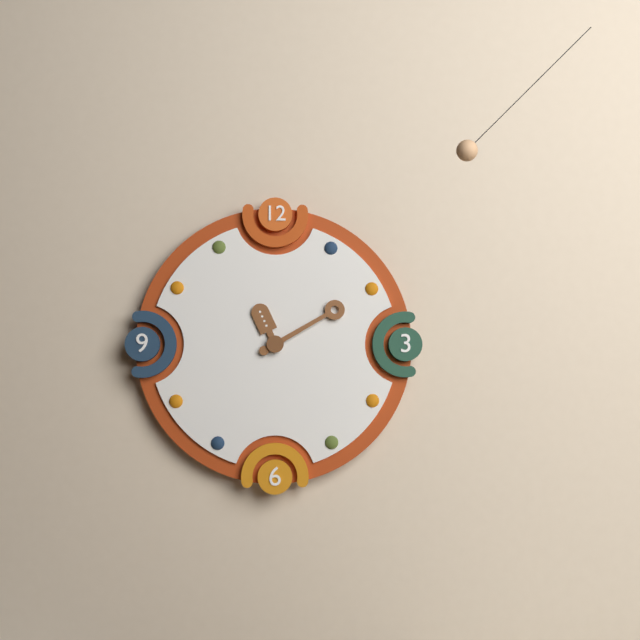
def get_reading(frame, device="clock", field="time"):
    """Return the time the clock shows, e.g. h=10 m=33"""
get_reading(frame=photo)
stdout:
h=11 m=10
